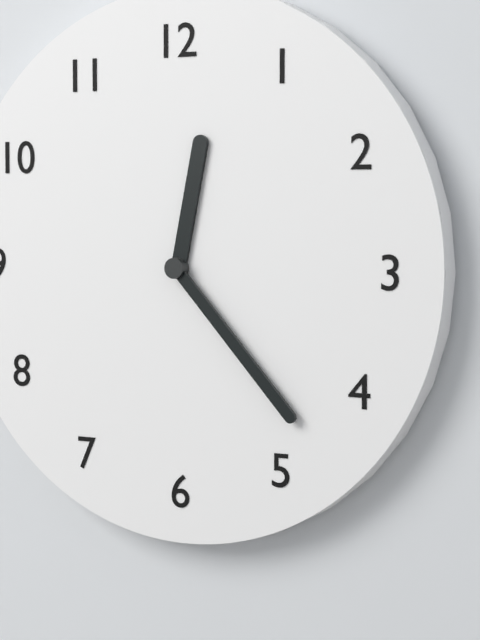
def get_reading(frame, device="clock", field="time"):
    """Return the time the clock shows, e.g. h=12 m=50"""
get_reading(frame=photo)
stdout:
h=12 m=23
